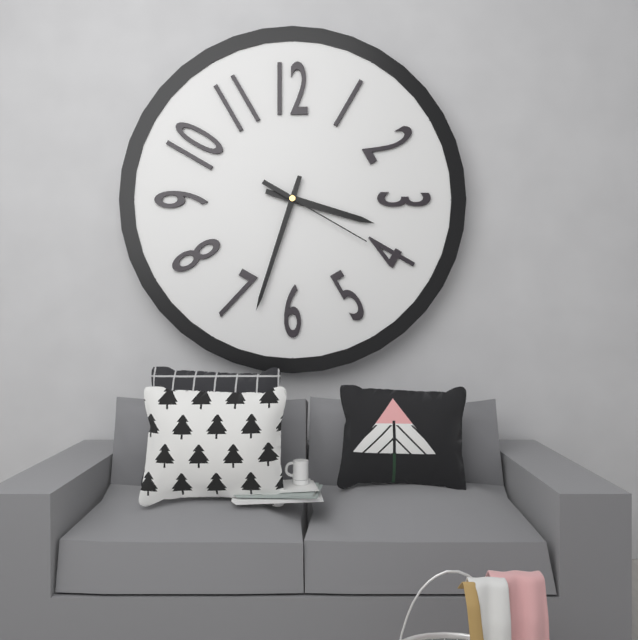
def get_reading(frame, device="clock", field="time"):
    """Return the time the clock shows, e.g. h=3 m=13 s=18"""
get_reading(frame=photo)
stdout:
h=3 m=33 s=20
